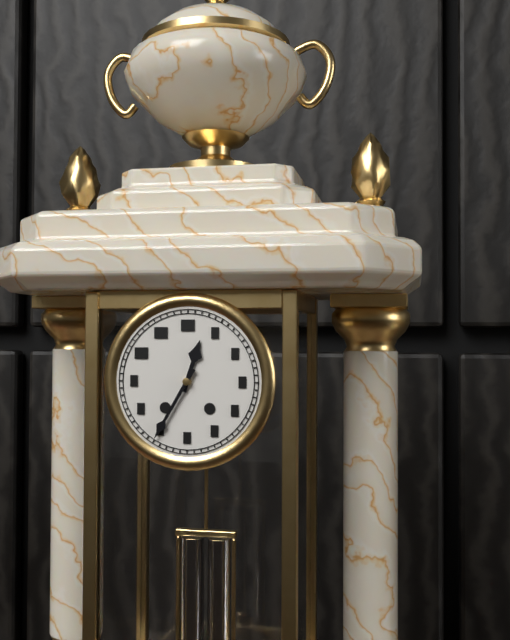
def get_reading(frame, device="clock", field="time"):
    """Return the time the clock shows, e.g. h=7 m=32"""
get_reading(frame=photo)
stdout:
h=12 m=35
